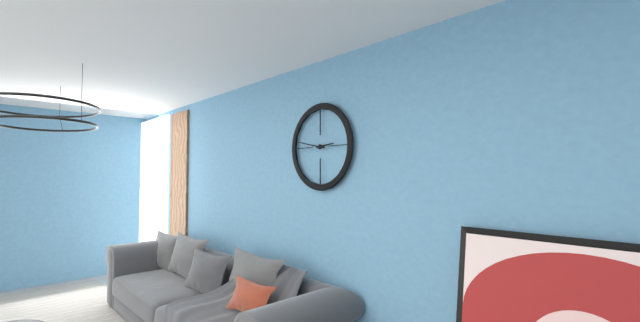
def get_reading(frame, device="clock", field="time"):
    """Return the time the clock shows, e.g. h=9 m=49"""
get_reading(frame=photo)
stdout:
h=2 m=47
